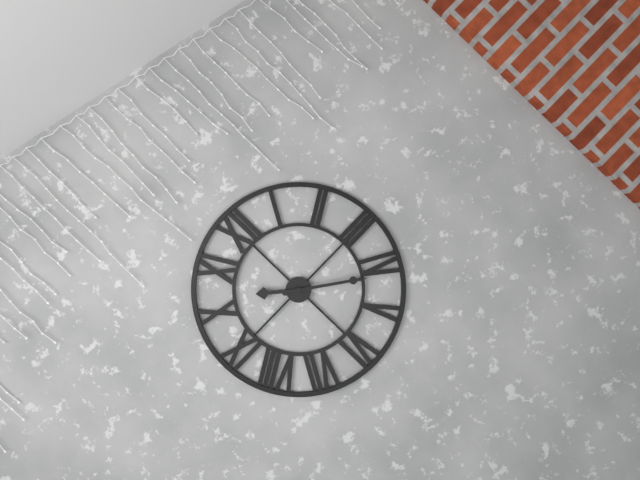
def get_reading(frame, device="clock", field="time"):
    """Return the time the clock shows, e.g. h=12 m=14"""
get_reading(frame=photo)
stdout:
h=10 m=21
